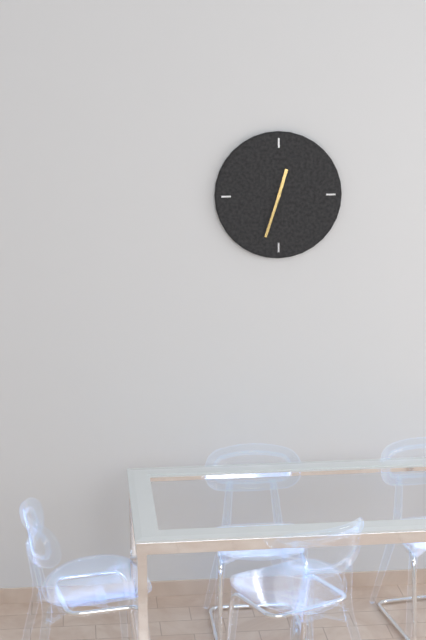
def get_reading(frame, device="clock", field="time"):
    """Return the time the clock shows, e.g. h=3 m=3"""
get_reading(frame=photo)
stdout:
h=12 m=33
